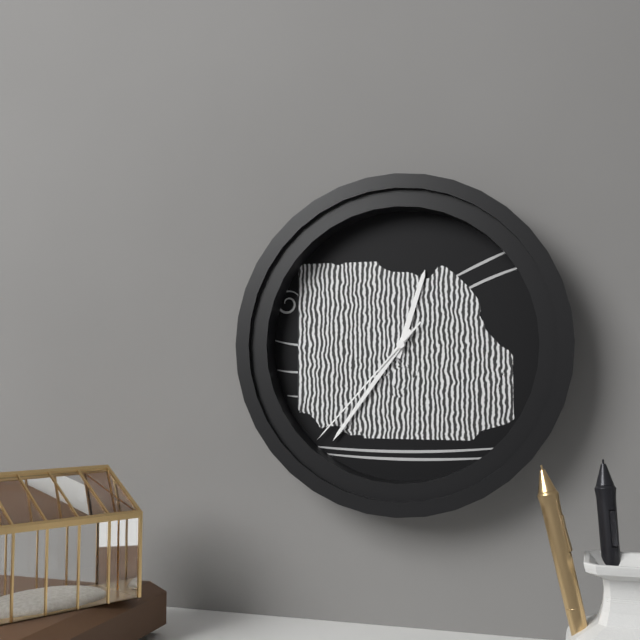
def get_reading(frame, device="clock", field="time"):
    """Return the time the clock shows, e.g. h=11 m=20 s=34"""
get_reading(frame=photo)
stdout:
h=12 m=36 s=37
